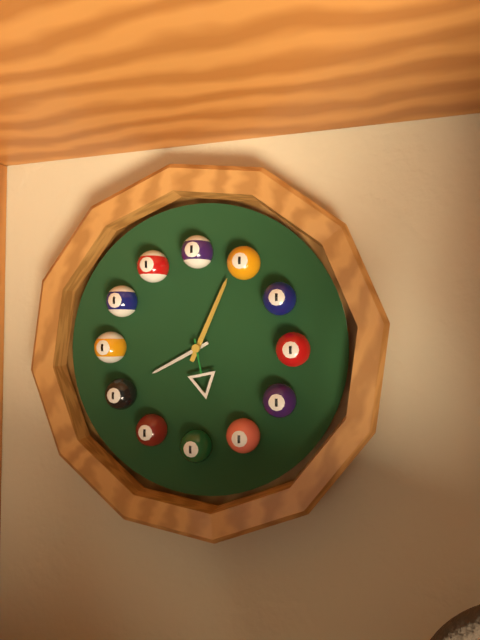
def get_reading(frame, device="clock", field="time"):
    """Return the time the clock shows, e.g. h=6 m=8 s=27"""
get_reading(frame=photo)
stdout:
h=8 m=4 s=28
